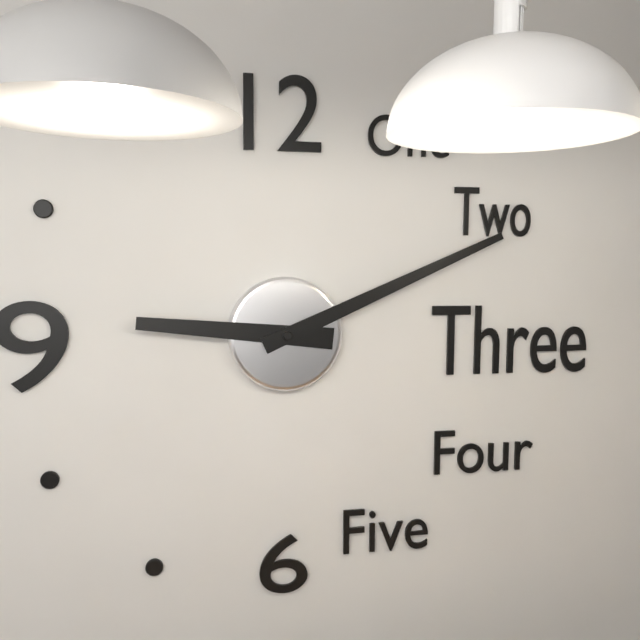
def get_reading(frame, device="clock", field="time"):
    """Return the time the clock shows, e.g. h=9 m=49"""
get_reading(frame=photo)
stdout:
h=9 m=11
